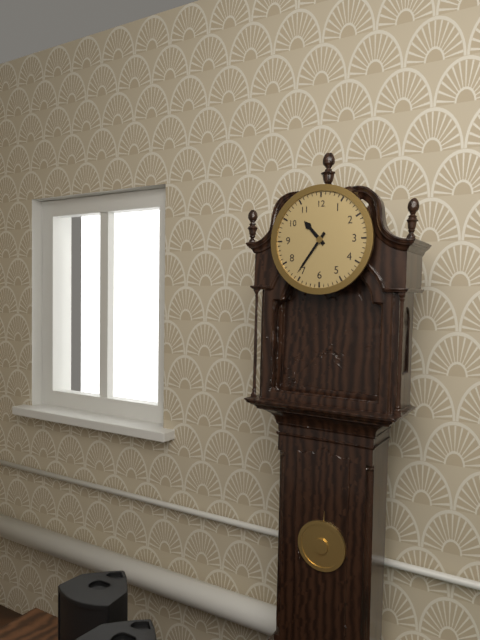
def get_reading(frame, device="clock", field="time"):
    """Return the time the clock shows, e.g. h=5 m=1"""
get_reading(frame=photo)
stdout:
h=10 m=36
